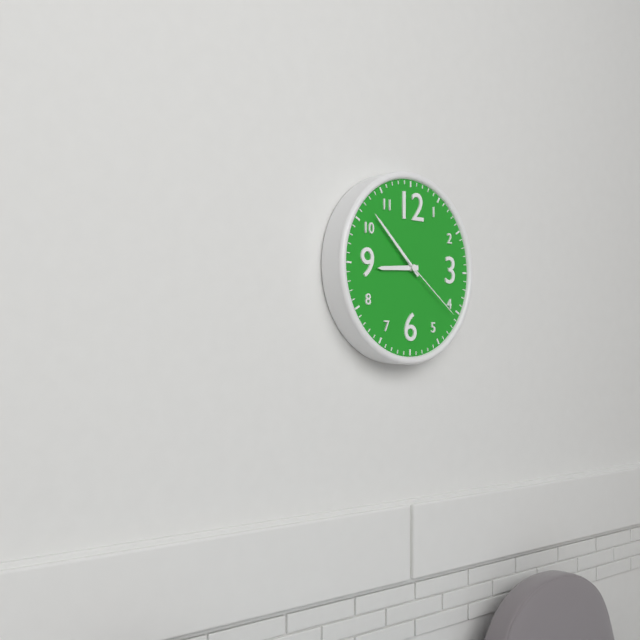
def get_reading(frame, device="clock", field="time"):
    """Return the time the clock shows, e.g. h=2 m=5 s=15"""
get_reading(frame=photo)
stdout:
h=8 m=52 s=21
